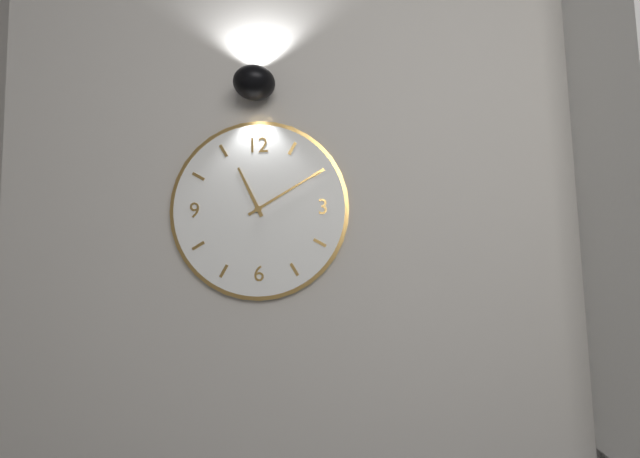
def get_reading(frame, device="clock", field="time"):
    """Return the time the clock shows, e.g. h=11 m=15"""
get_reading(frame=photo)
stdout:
h=11 m=10
